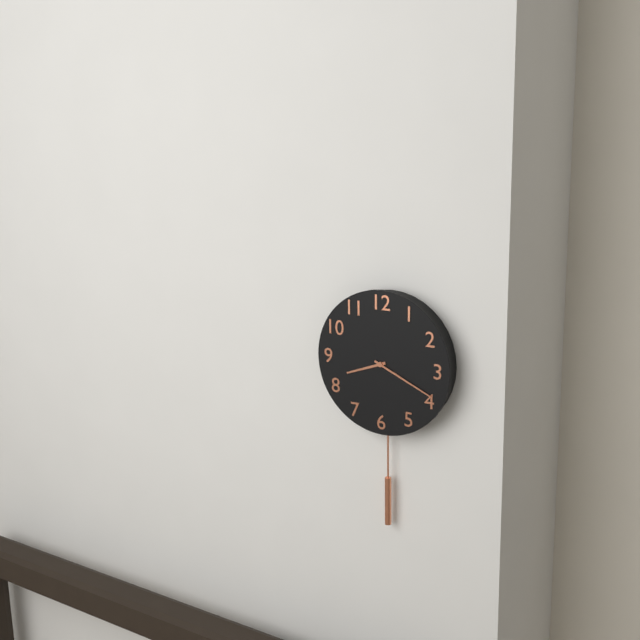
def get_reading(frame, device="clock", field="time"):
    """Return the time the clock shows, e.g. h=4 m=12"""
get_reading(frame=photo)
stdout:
h=8 m=19
